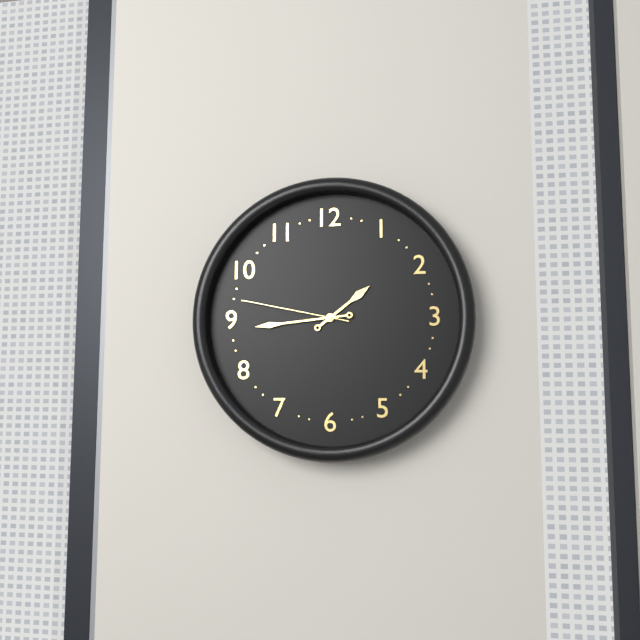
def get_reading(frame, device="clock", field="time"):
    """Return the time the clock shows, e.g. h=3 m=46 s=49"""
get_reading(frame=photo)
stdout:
h=1 m=44 s=47
